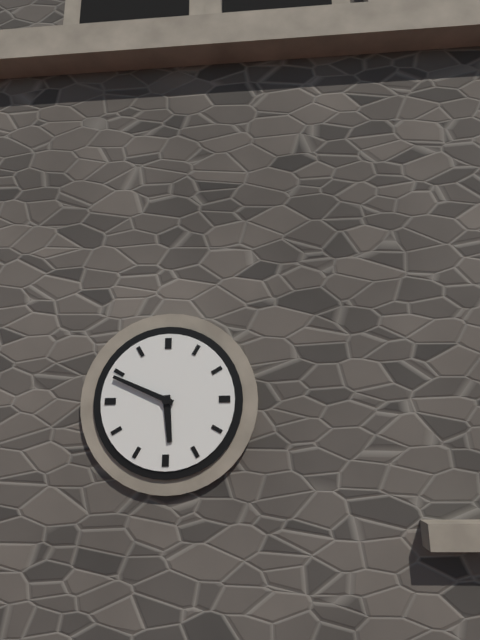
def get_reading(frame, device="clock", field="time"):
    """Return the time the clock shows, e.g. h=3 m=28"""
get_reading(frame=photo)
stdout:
h=5 m=49
